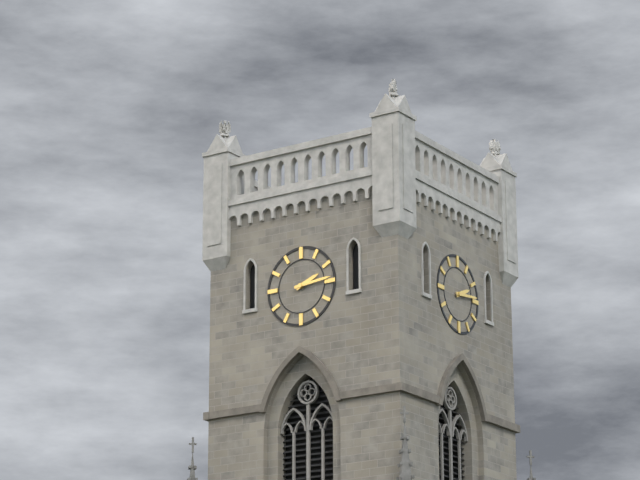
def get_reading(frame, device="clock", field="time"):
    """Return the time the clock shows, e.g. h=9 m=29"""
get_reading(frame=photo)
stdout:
h=2 m=14
